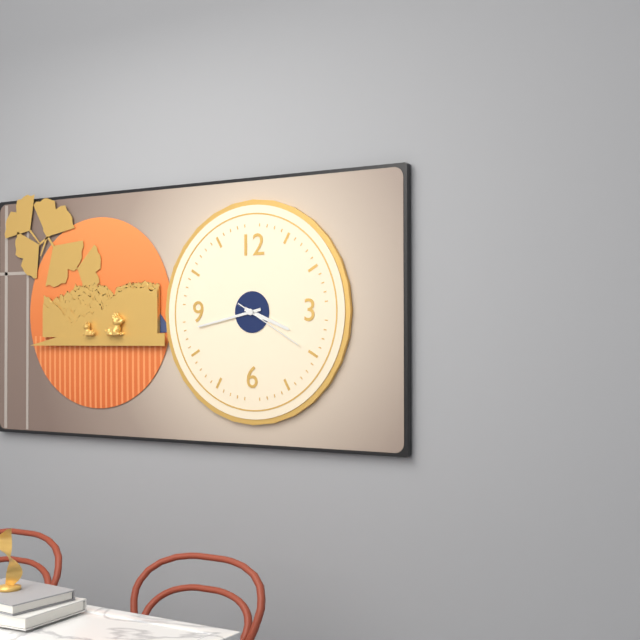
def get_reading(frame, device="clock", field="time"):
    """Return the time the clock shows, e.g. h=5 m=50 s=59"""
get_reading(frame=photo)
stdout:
h=3 m=43 s=20
